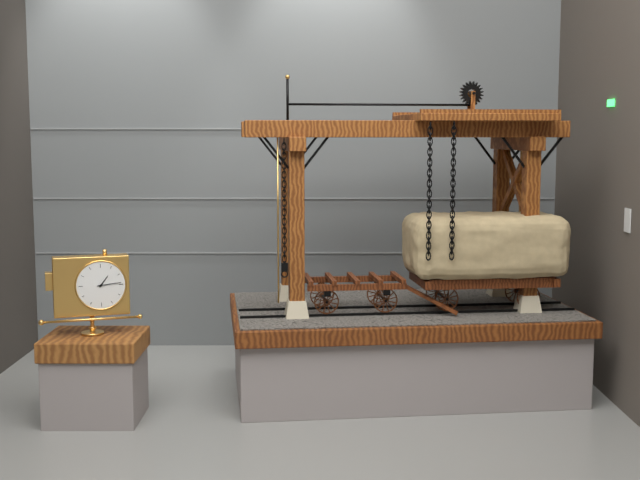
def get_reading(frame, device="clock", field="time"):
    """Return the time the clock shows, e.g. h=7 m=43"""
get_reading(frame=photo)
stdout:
h=1 m=14
